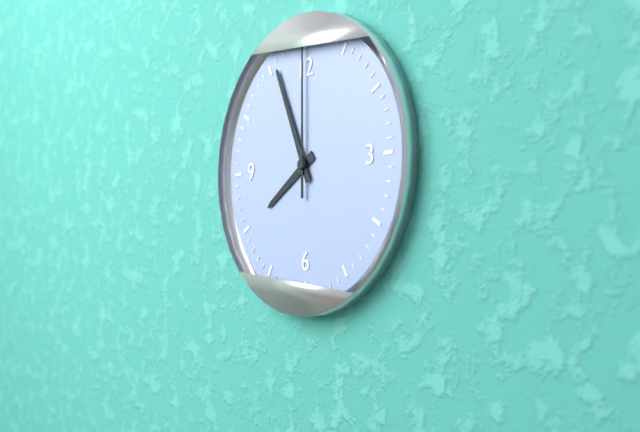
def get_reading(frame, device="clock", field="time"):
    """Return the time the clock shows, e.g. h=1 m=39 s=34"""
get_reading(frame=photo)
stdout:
h=7 m=56 s=0
